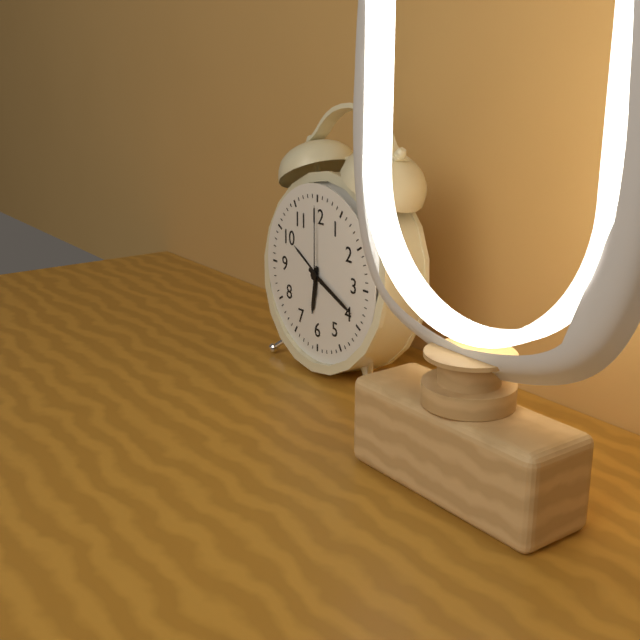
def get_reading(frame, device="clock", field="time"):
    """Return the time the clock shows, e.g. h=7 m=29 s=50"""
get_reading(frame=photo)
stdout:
h=6 m=19 s=0
